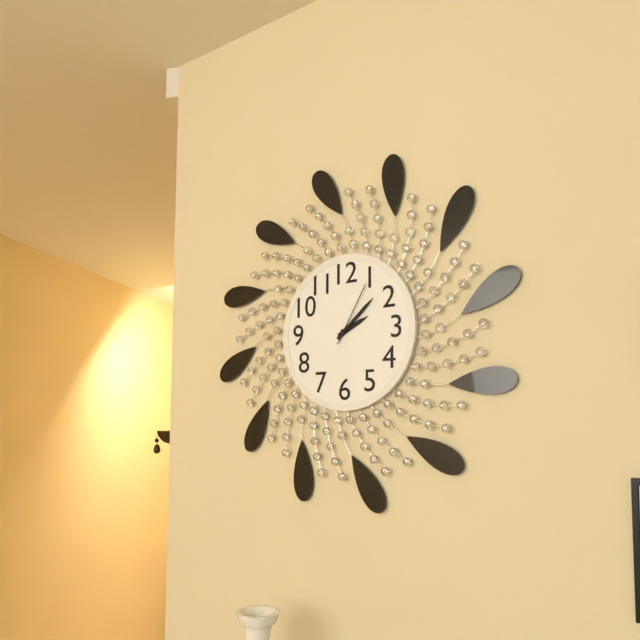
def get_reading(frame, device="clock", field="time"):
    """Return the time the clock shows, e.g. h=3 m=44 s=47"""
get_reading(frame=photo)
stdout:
h=2 m=8 s=5
